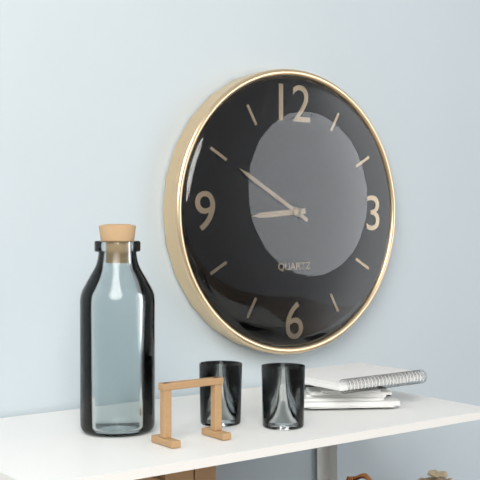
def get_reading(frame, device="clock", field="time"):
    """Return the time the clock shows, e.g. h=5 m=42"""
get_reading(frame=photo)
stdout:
h=8 m=50
